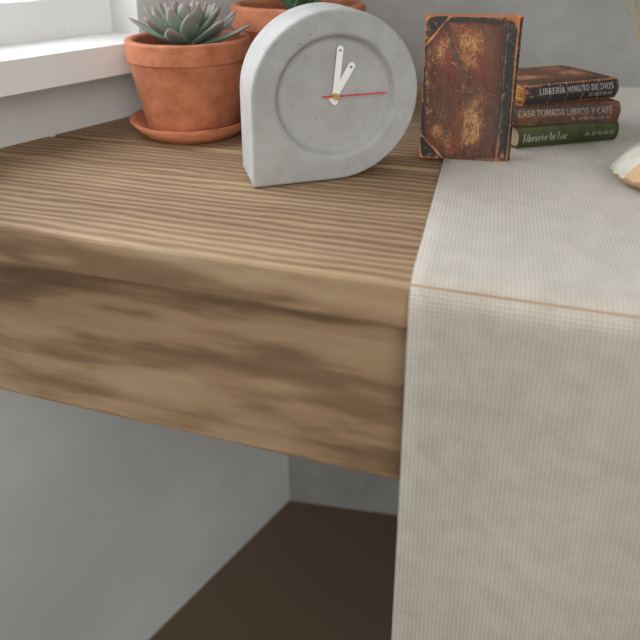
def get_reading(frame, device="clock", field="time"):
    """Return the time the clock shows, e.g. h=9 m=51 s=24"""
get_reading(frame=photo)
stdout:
h=1 m=1 s=15
